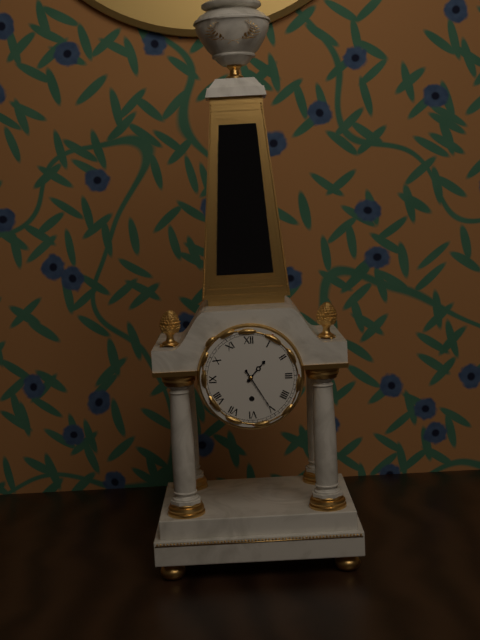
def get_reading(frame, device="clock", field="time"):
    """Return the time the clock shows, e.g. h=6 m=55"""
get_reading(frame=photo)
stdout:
h=1 m=25
